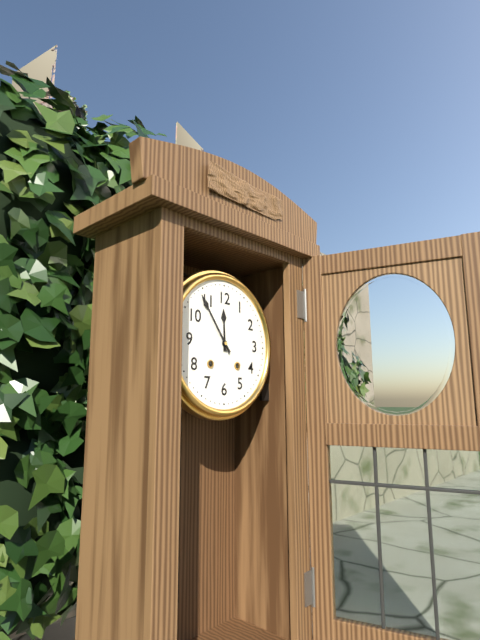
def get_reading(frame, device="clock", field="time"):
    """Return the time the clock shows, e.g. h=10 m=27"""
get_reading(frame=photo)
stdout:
h=11 m=54
